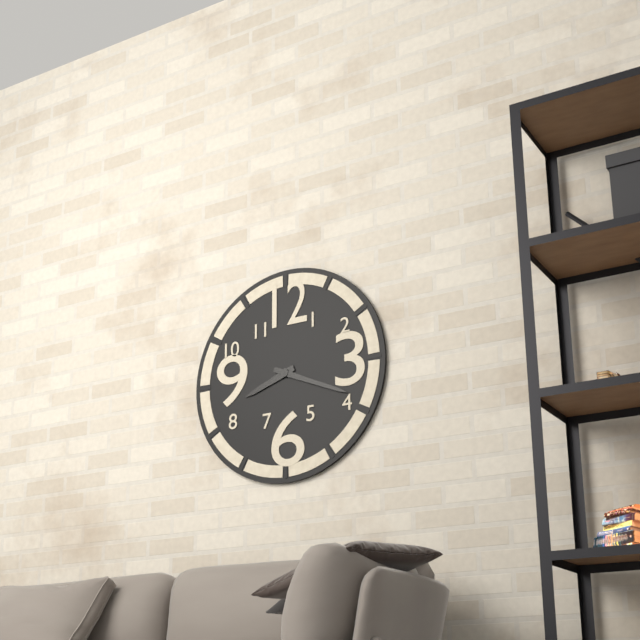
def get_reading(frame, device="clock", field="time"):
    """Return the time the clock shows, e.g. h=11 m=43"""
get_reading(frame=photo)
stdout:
h=8 m=19
